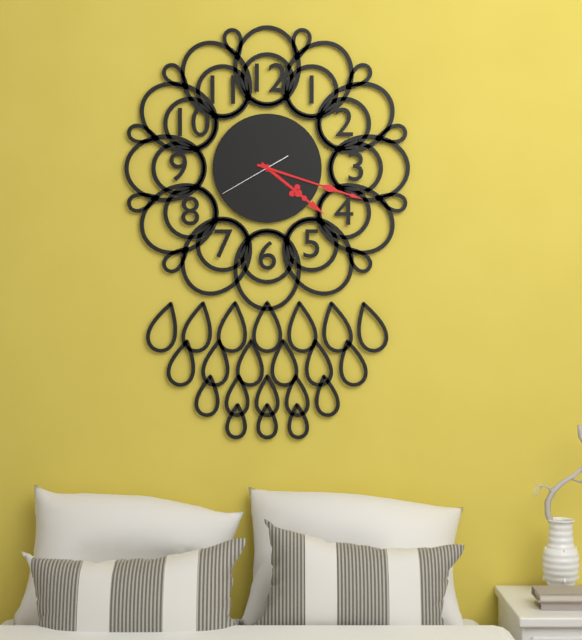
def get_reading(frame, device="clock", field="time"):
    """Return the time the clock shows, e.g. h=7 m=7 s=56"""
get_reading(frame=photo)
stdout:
h=4 m=18 s=40
